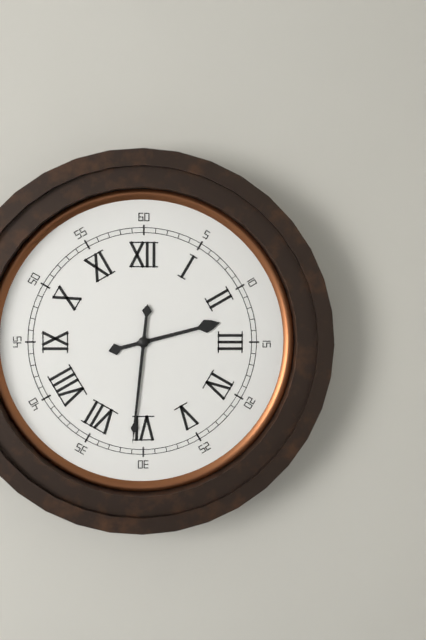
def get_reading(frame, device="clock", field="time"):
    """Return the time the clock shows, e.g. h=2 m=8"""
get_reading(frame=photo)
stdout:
h=2 m=31
